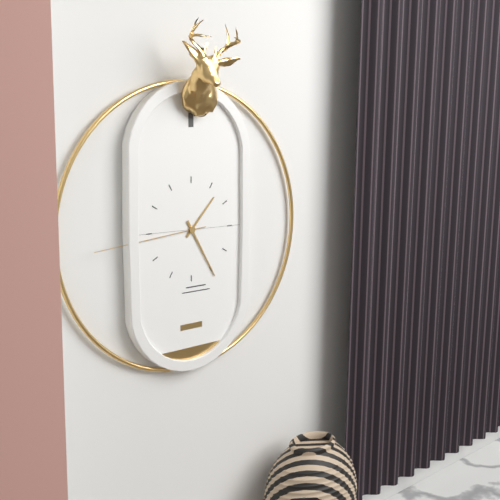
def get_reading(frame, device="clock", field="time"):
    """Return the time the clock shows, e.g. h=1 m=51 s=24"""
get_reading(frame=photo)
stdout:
h=1 m=25 s=44
